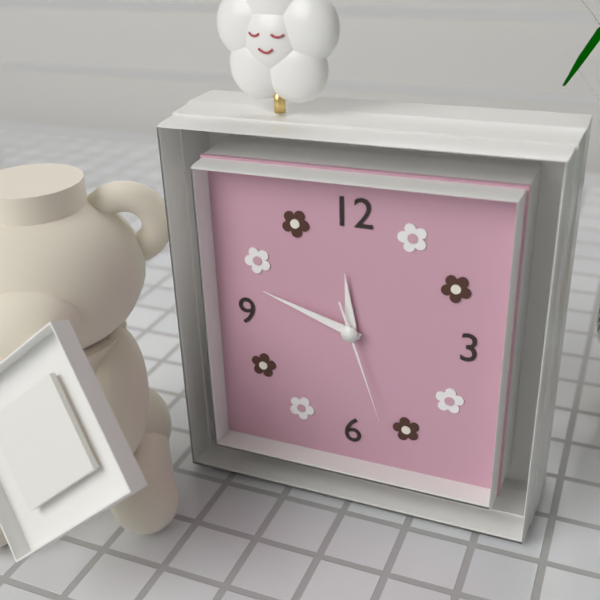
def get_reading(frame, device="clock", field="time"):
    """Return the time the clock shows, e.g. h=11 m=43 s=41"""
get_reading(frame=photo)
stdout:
h=11 m=48 s=27
